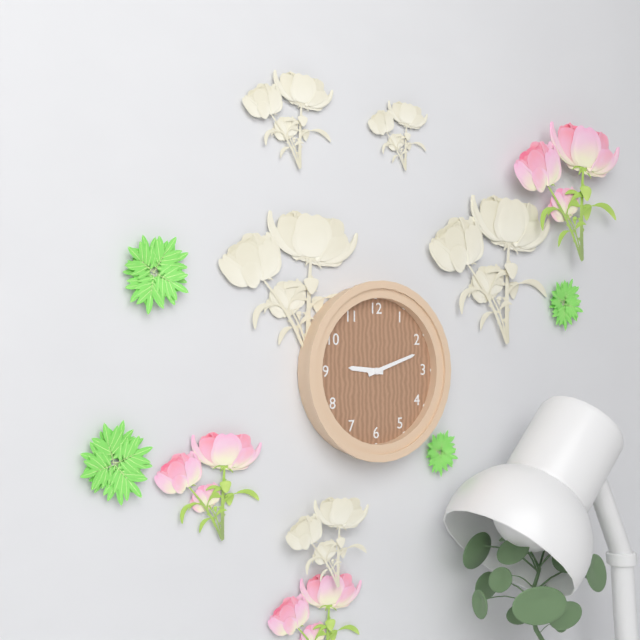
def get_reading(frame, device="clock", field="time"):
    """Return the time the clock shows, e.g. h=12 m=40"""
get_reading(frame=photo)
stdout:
h=9 m=12
